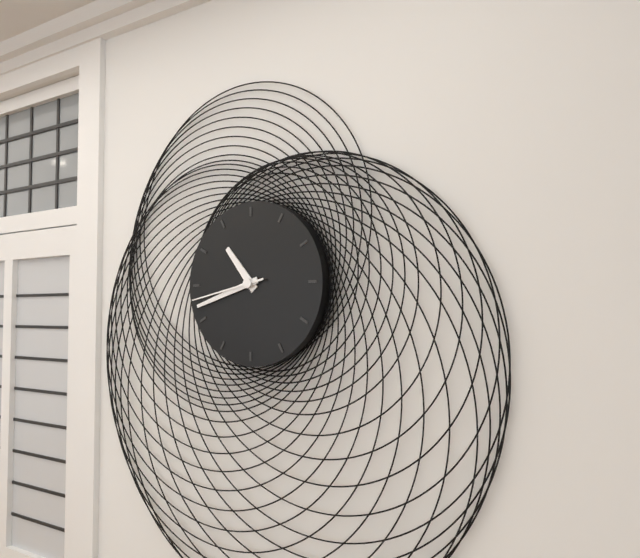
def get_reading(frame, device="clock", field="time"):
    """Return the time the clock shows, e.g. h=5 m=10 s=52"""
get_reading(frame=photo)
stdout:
h=10 m=42 s=43
